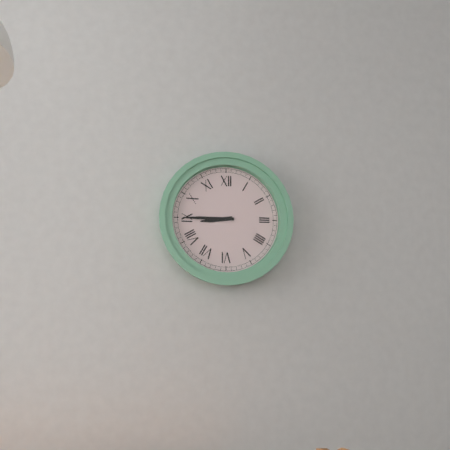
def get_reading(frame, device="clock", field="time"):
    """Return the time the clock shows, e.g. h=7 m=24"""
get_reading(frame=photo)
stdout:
h=8 m=45
